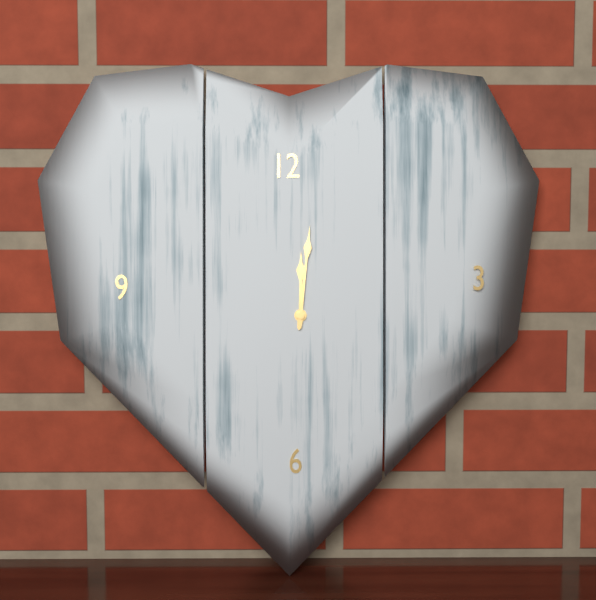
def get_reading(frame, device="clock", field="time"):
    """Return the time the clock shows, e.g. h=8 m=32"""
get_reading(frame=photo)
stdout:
h=12 m=1
